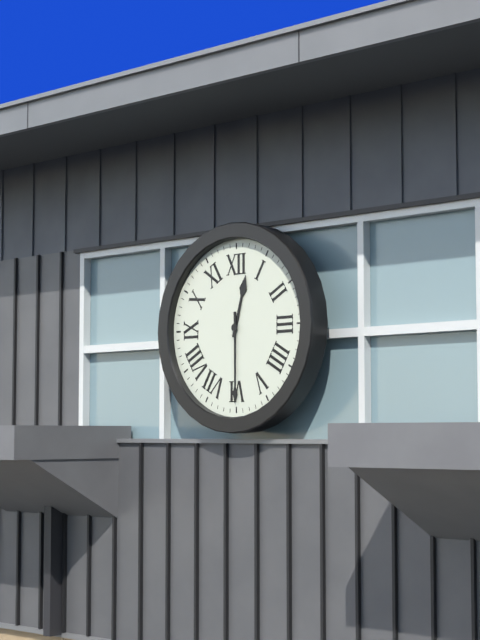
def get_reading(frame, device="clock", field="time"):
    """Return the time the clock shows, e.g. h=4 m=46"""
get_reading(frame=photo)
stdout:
h=12 m=30
